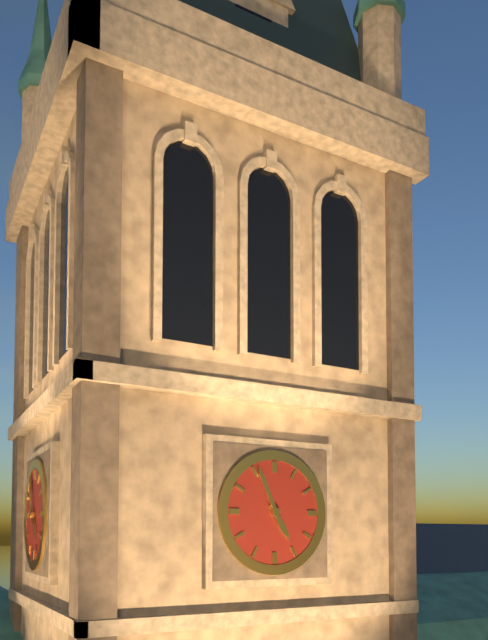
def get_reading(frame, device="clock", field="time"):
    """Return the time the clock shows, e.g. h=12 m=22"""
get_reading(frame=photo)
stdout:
h=4 m=56
